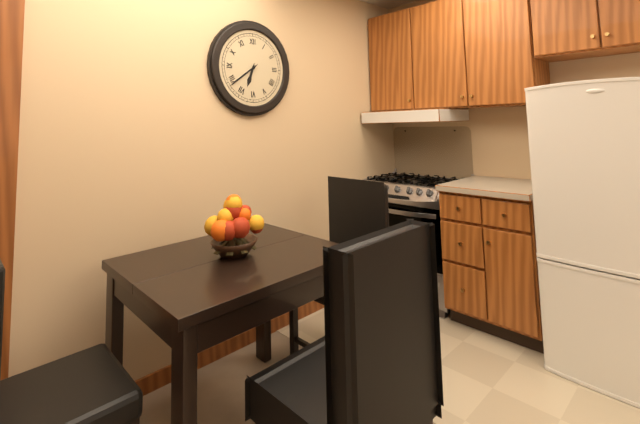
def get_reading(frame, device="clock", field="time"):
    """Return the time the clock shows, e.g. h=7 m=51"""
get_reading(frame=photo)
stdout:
h=6 m=39
